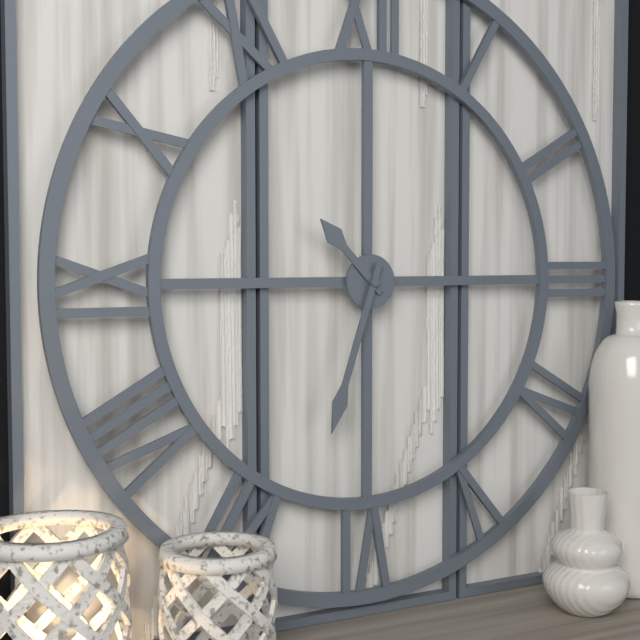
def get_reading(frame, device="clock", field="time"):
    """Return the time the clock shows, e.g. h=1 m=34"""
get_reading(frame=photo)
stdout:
h=10 m=33
